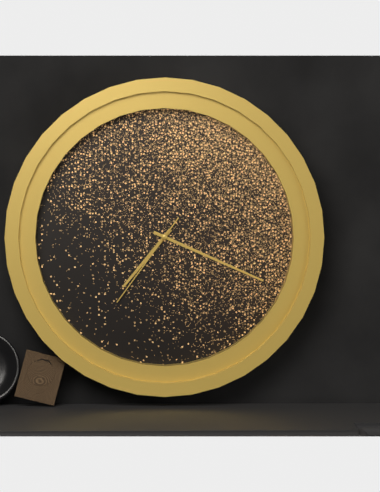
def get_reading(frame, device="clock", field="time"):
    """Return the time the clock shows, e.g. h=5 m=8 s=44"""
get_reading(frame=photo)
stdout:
h=7 m=19 s=36
